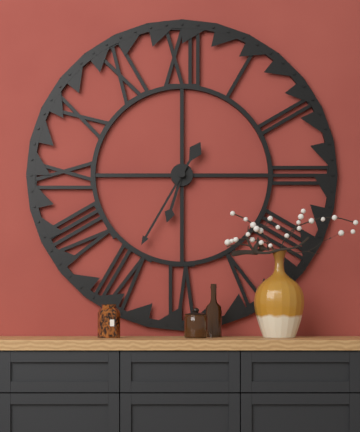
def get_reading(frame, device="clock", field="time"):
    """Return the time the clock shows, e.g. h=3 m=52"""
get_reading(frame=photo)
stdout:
h=6 m=35
